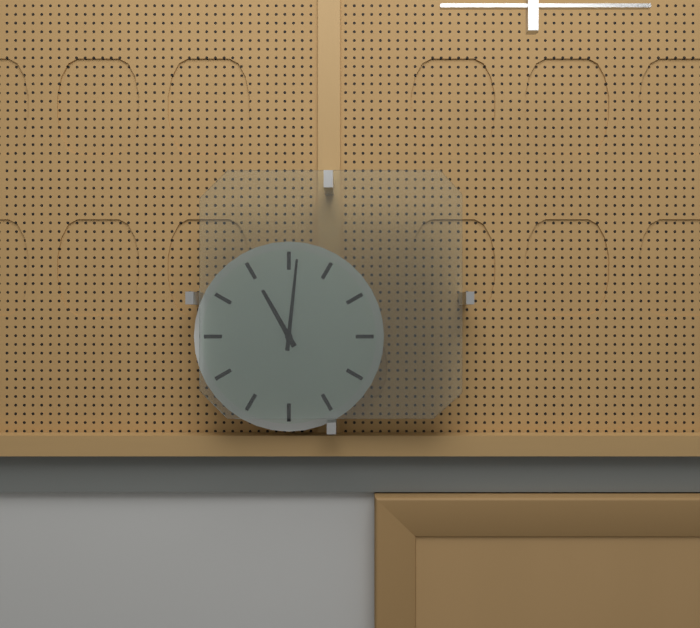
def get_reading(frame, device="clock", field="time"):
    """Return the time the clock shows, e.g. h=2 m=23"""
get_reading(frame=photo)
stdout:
h=11 m=1
